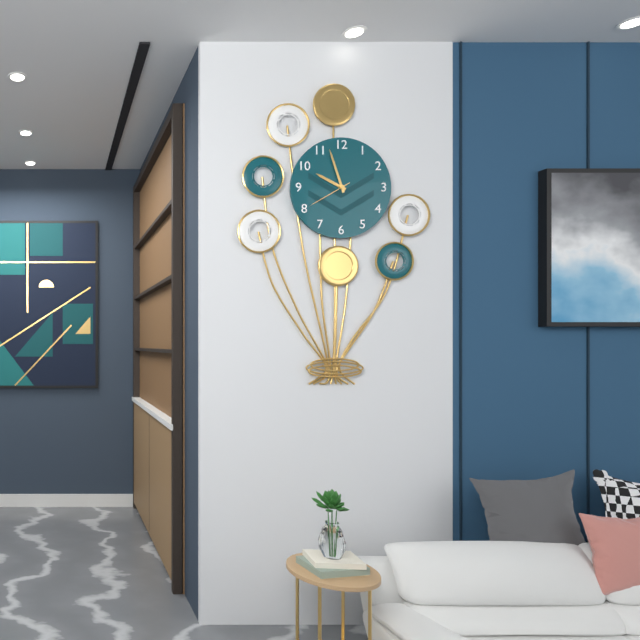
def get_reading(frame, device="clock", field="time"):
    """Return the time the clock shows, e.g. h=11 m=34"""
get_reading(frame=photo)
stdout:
h=9 m=57
